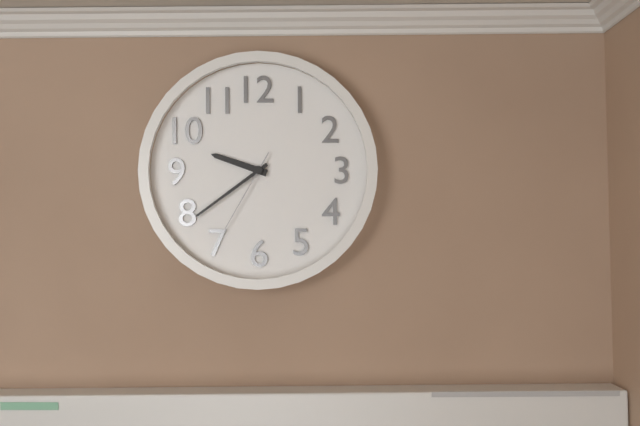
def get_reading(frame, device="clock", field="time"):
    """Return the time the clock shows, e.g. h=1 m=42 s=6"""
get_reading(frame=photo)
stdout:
h=9 m=39 s=35
